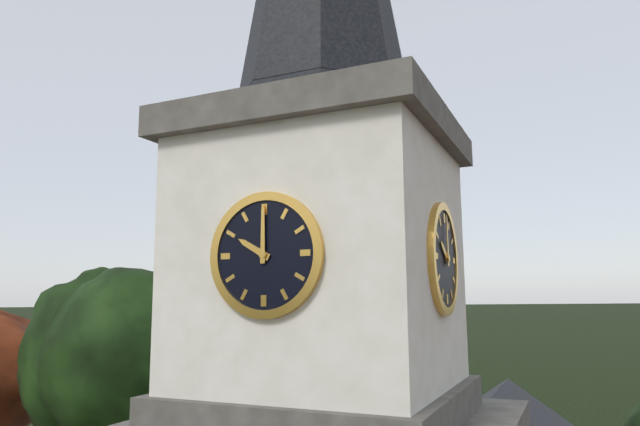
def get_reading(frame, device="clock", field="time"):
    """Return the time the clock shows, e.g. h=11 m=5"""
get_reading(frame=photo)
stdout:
h=10 m=0
